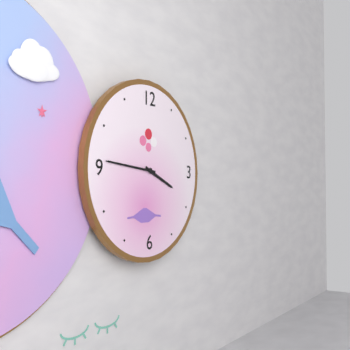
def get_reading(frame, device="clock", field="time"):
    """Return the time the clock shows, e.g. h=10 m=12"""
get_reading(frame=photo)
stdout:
h=3 m=46
